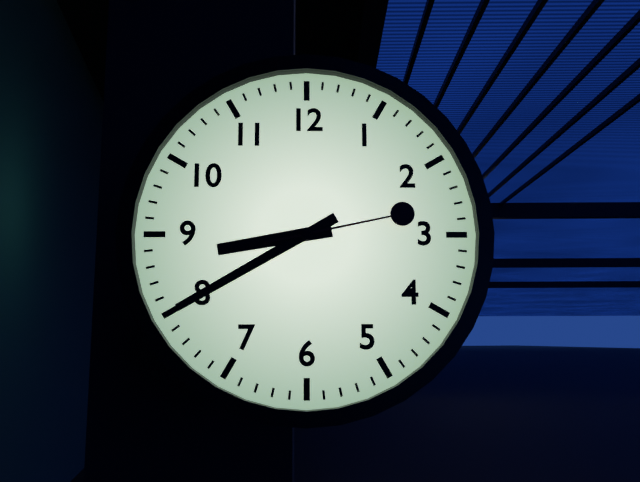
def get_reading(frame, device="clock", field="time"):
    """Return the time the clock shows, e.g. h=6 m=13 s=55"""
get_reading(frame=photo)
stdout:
h=8 m=40 s=13
